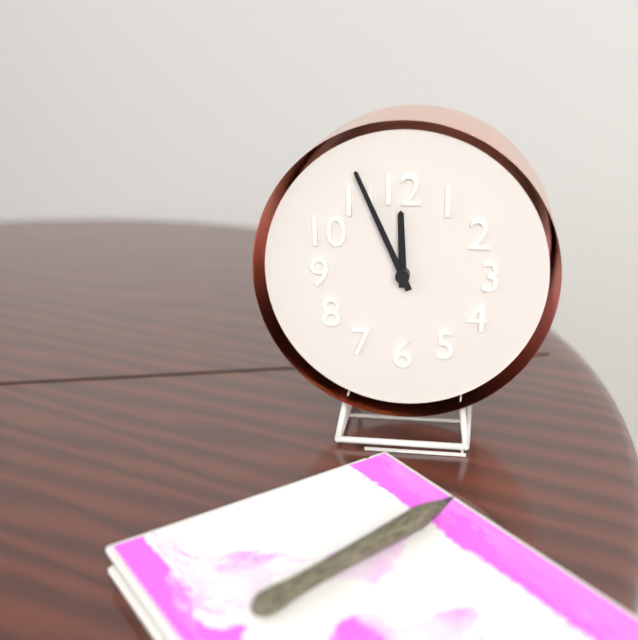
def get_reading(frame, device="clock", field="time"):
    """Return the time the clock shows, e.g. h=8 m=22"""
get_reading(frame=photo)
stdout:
h=11 m=56
